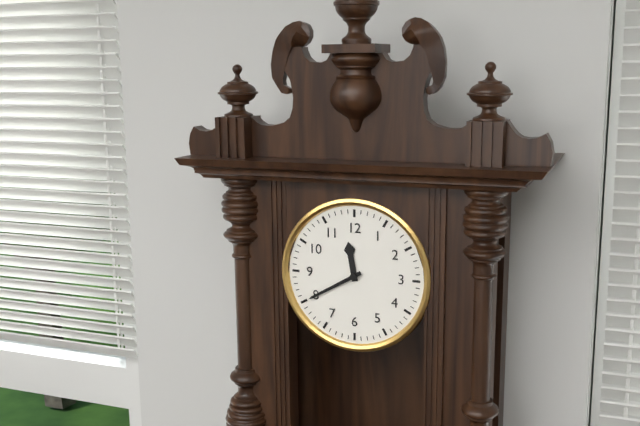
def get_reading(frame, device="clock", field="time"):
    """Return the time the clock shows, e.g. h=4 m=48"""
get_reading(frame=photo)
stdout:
h=11 m=40
